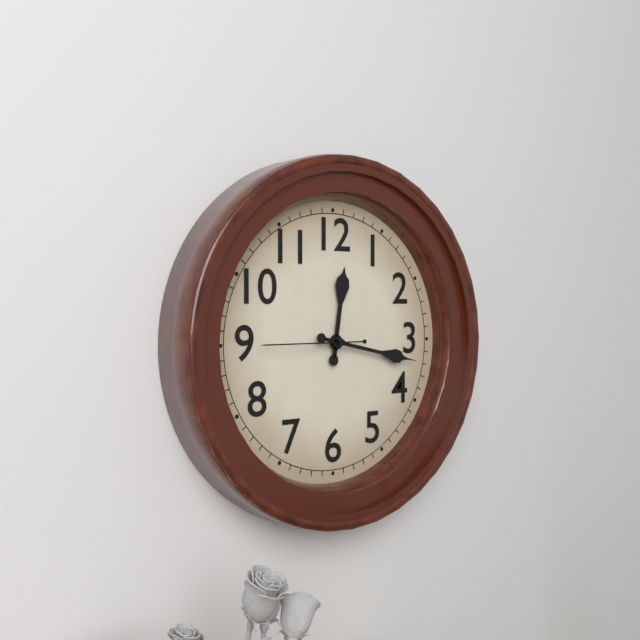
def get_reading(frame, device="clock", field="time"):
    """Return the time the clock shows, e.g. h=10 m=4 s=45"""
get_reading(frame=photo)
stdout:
h=12 m=17 s=45
